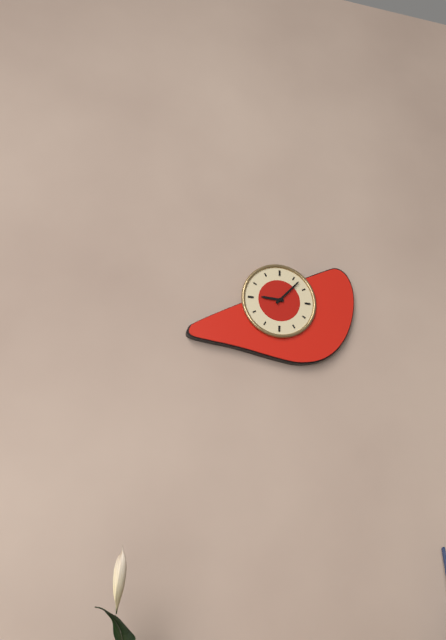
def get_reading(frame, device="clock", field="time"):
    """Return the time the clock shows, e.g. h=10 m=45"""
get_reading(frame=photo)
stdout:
h=9 m=7
